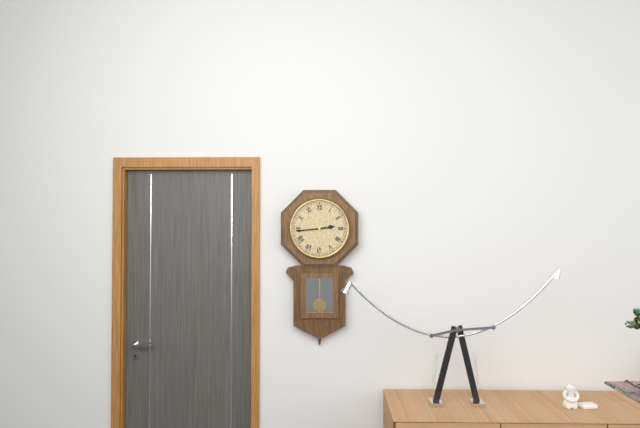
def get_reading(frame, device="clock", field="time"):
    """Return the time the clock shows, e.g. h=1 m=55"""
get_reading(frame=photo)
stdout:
h=2 m=44
